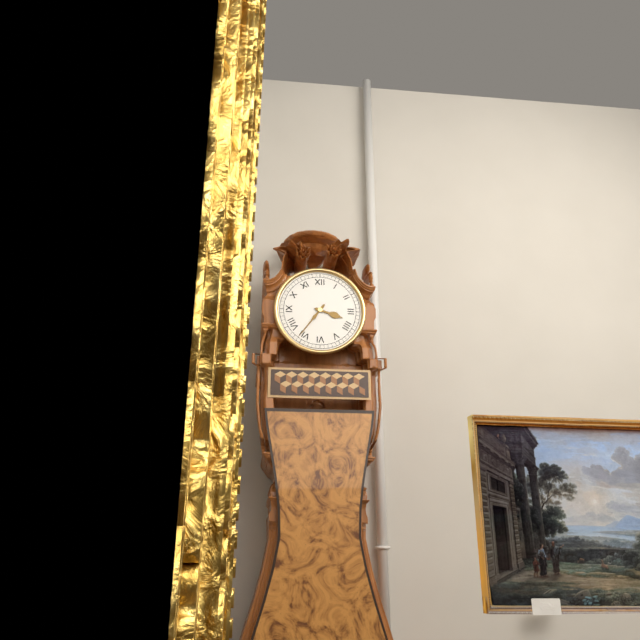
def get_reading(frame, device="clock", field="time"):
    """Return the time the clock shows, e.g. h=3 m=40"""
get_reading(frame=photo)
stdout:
h=3 m=36
